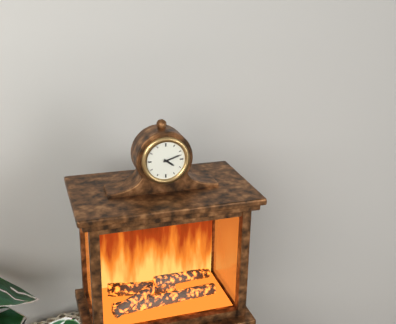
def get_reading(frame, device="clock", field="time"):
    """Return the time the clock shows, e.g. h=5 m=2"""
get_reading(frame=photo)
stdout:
h=4 m=12
